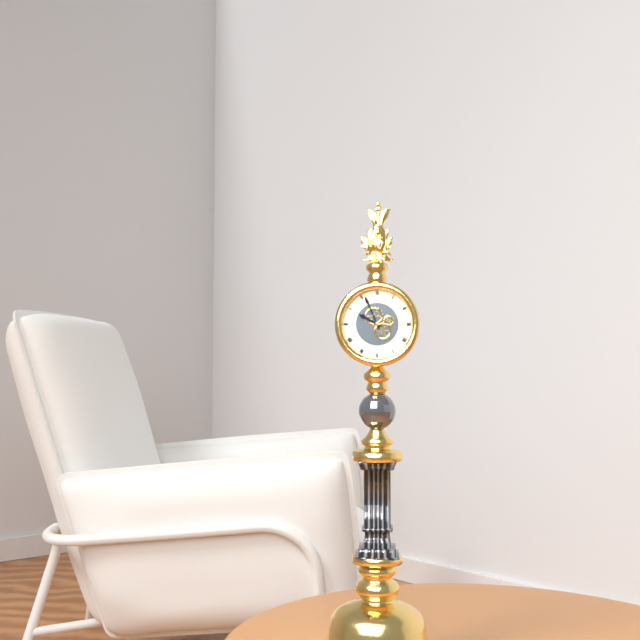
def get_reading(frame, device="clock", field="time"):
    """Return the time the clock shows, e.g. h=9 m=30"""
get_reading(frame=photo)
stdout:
h=9 m=56
